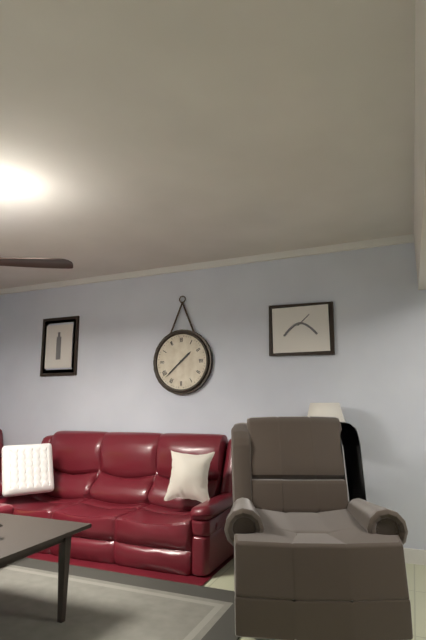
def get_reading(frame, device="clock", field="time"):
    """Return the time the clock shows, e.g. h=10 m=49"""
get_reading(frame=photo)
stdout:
h=1 m=38
